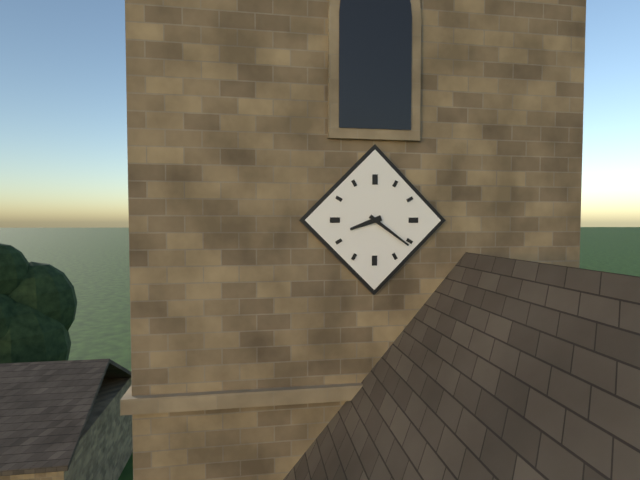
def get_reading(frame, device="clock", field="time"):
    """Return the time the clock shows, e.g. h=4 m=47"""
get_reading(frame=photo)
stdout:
h=8 m=21
